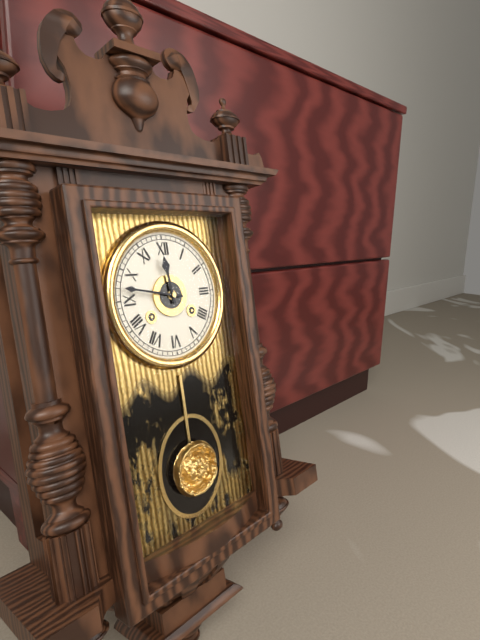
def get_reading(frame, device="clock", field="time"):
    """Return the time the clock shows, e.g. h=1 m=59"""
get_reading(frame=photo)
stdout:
h=11 m=47
